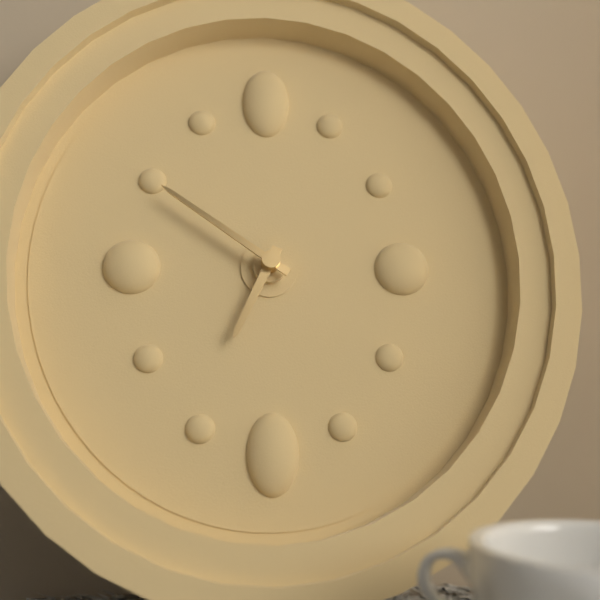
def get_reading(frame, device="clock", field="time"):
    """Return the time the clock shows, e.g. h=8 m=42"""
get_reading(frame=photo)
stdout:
h=6 m=51
